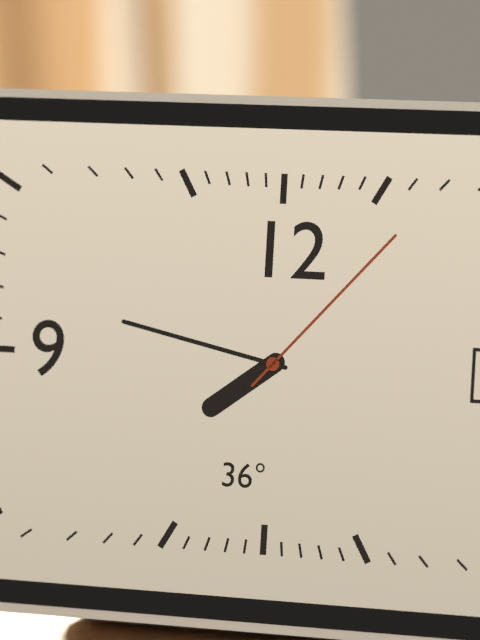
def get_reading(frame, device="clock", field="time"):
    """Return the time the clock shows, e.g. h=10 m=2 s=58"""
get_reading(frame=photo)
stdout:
h=7 m=47 s=7
